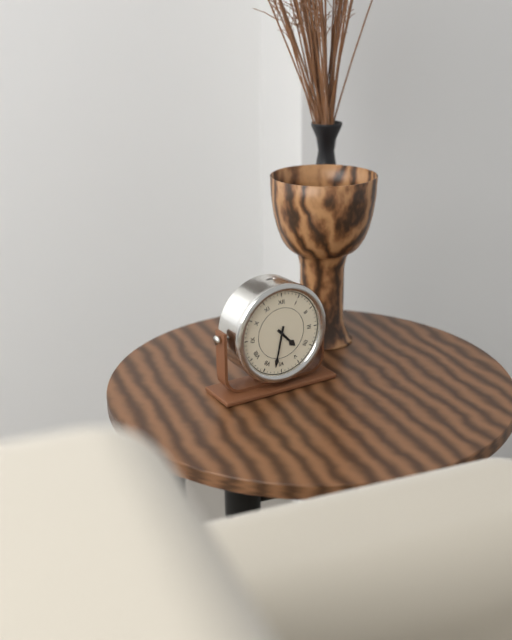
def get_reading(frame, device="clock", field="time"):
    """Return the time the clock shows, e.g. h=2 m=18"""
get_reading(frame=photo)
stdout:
h=4 m=32
